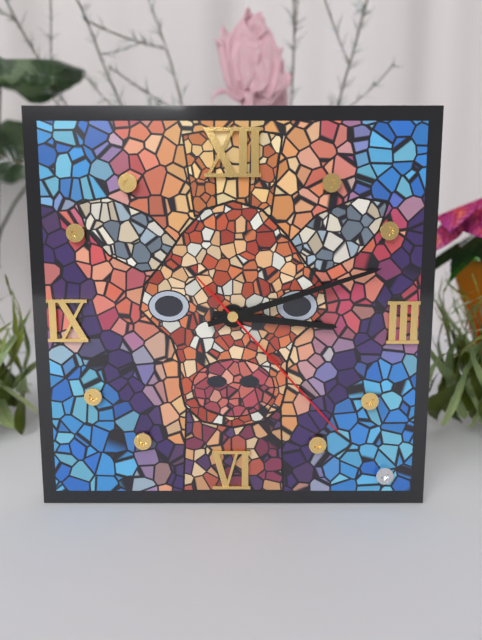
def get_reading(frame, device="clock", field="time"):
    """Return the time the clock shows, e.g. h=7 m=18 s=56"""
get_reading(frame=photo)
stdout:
h=3 m=12 s=23
